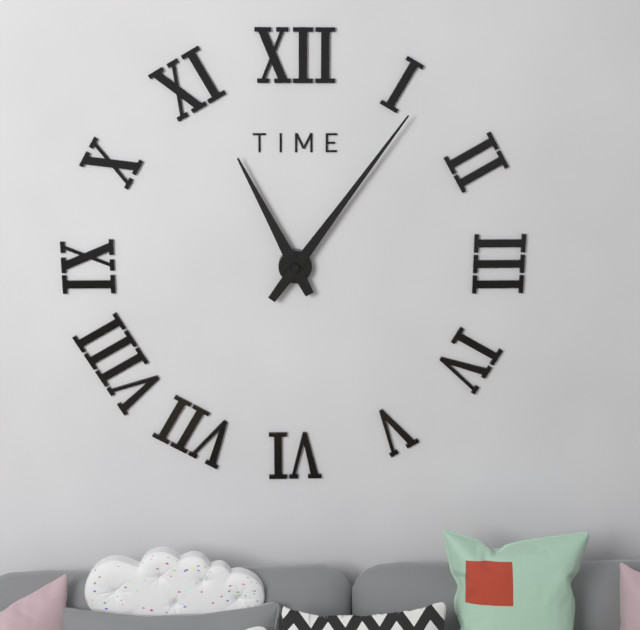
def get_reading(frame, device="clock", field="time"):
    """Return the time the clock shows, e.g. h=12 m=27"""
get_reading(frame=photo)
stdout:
h=11 m=6
